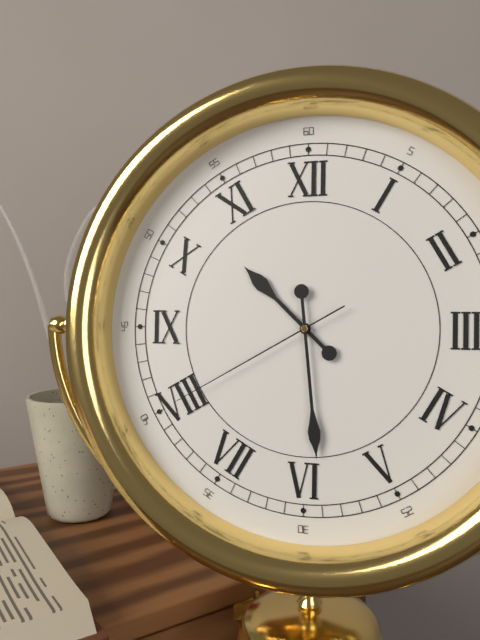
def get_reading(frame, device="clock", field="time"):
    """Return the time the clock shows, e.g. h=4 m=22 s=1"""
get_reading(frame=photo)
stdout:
h=10 m=29 s=40
